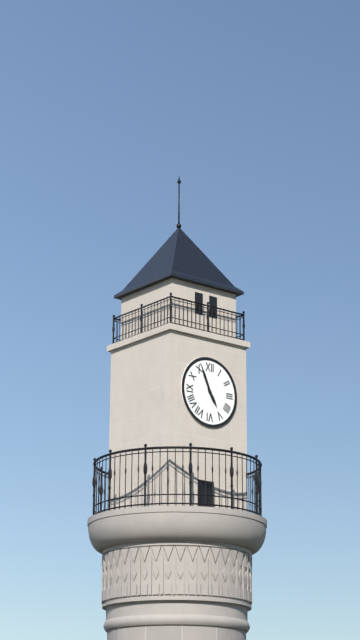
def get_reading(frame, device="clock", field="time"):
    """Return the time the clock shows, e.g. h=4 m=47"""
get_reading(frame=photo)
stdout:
h=4 m=56
